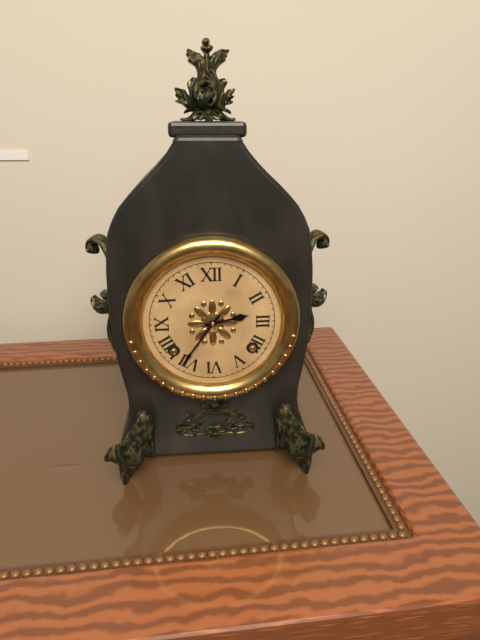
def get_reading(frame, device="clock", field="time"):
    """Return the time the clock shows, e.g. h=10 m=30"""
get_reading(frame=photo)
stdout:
h=2 m=36
